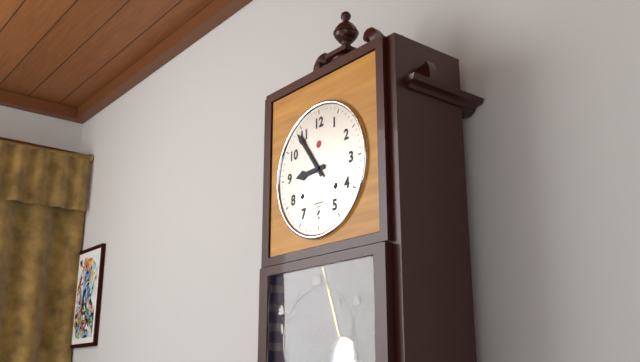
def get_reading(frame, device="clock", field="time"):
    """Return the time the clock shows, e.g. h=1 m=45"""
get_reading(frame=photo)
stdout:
h=8 m=54
